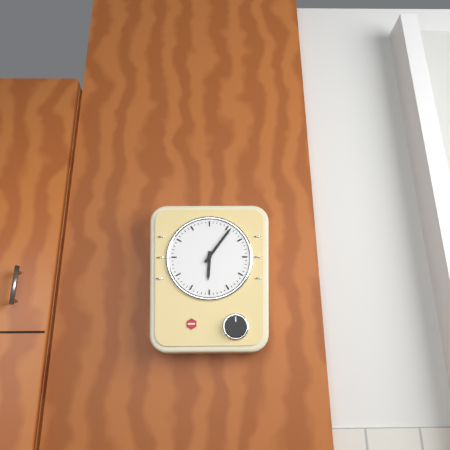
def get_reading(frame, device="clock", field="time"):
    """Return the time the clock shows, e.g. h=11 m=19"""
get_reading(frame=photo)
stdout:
h=6 m=6
